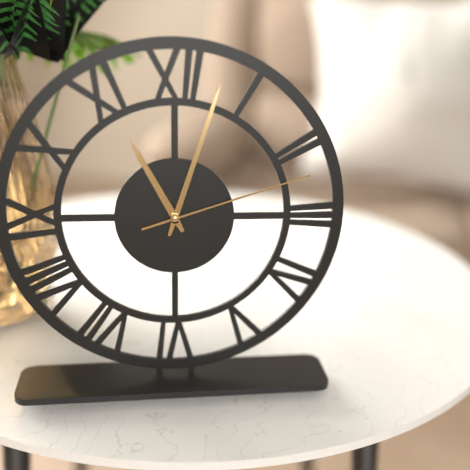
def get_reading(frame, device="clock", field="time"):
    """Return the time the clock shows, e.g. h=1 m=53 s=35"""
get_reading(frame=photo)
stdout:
h=11 m=3 s=12
